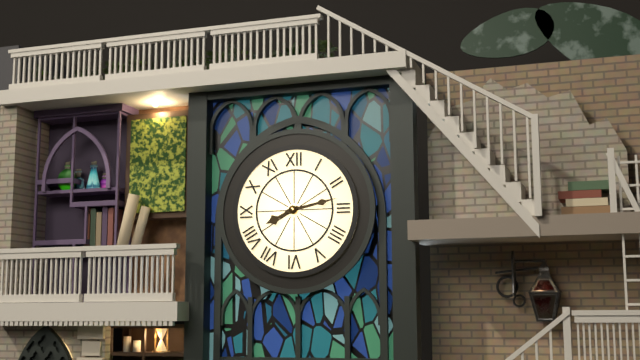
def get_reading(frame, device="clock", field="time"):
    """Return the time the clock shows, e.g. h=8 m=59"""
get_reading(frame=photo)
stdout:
h=8 m=13
